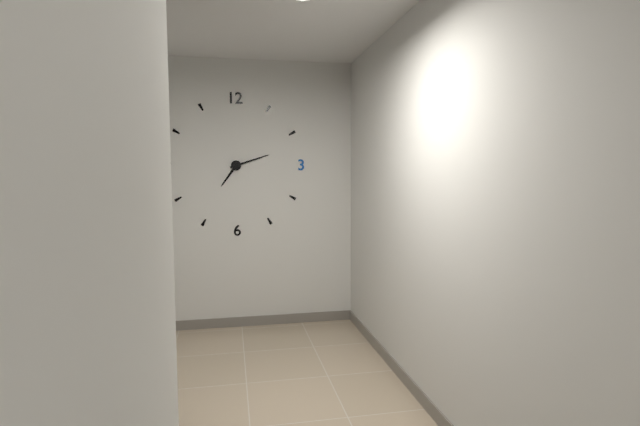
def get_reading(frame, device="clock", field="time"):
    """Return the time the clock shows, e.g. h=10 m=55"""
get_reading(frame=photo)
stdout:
h=7 m=12
